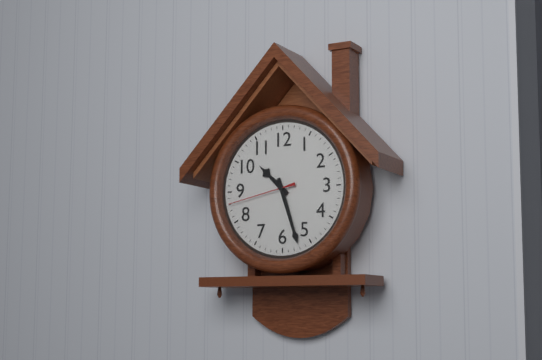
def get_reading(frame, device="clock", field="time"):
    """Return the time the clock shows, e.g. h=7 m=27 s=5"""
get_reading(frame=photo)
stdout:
h=10 m=27 s=43
